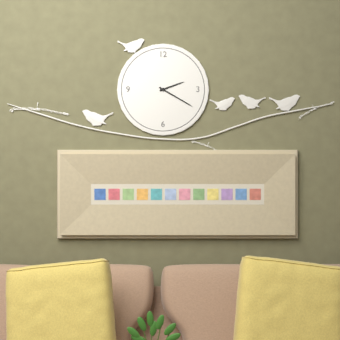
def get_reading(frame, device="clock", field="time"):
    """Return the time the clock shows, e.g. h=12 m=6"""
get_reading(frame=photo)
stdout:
h=2 m=20
